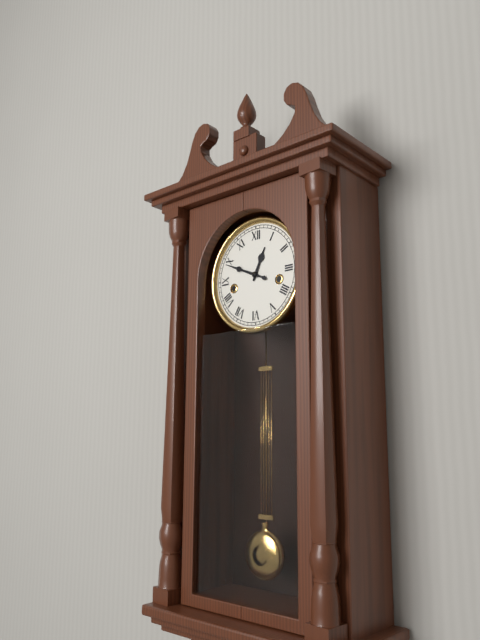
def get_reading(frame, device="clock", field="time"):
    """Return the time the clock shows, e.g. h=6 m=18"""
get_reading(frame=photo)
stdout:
h=12 m=49
